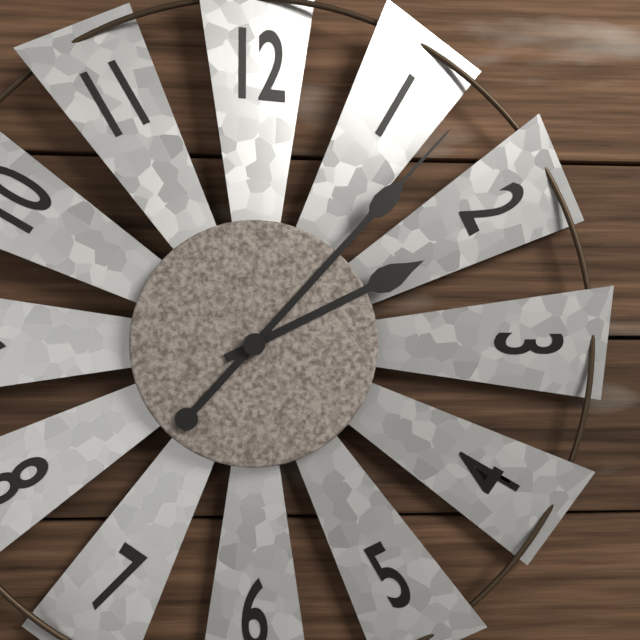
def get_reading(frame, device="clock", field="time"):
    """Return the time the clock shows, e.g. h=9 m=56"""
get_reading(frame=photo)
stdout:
h=2 m=7
